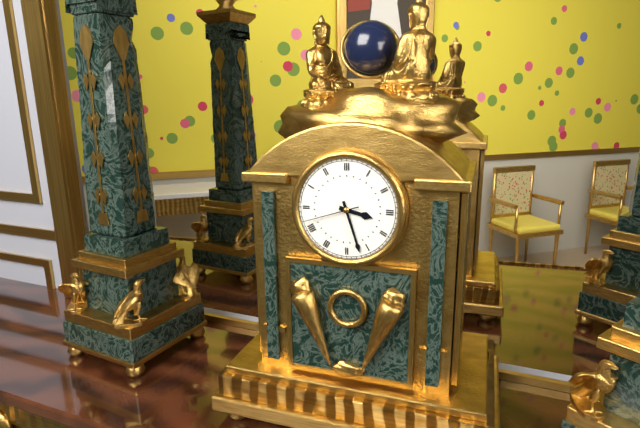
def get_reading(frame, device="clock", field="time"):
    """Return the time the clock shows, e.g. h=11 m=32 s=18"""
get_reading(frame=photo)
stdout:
h=3 m=27 s=42
